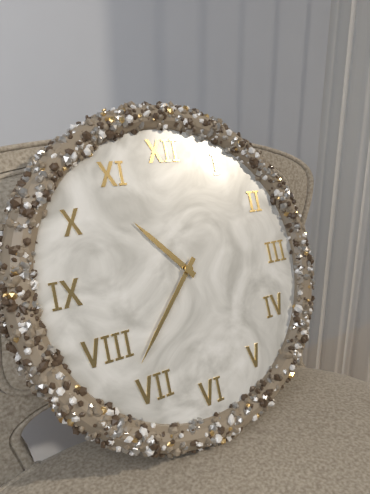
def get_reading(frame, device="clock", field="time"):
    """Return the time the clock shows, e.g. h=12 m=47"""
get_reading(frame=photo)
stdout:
h=10 m=37
